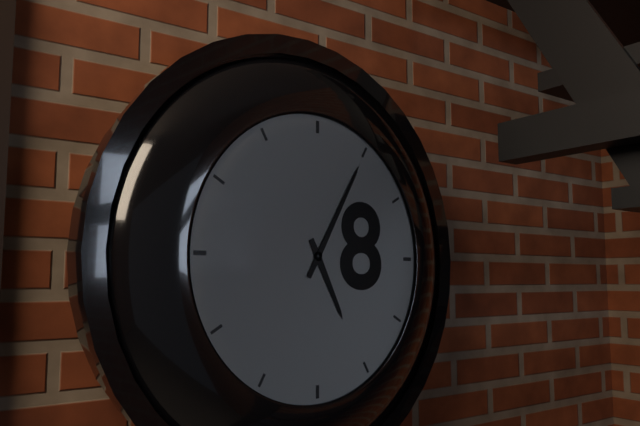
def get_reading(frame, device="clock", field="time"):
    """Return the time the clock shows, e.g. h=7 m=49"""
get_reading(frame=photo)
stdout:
h=5 m=5
